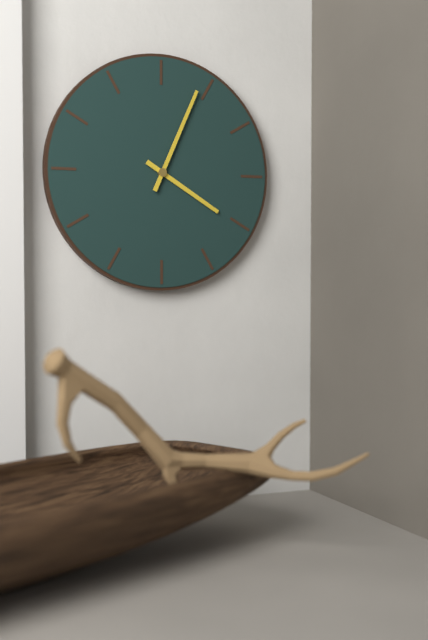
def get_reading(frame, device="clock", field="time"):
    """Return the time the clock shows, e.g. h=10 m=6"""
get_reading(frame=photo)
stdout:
h=4 m=4
